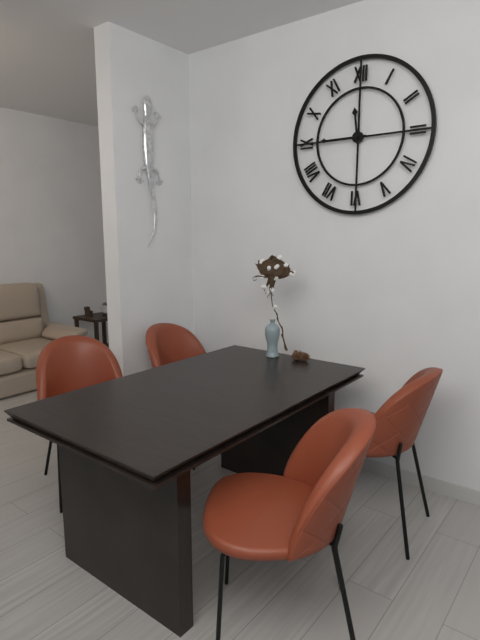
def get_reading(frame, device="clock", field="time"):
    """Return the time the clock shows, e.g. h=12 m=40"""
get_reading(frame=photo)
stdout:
h=11 m=45
